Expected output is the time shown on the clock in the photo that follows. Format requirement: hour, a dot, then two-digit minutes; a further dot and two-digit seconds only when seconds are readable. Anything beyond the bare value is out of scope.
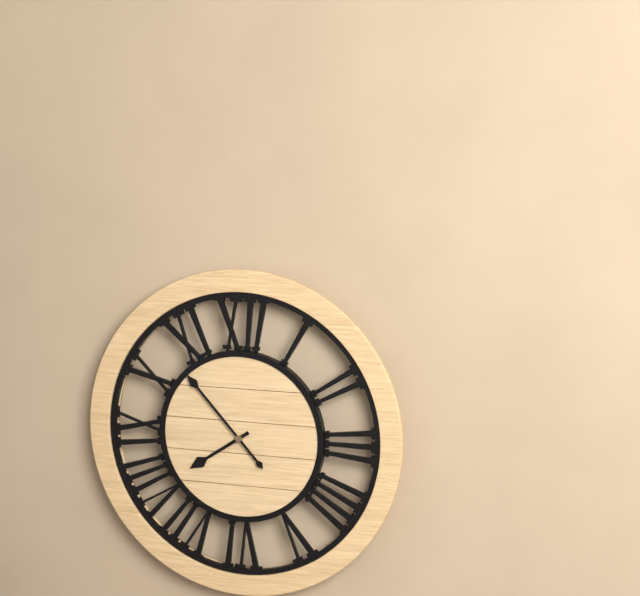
7.53
